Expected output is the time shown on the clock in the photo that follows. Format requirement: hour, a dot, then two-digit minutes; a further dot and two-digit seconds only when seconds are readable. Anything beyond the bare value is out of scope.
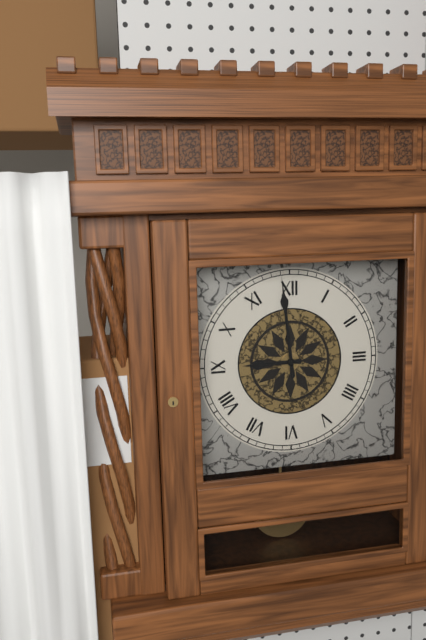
8.59
